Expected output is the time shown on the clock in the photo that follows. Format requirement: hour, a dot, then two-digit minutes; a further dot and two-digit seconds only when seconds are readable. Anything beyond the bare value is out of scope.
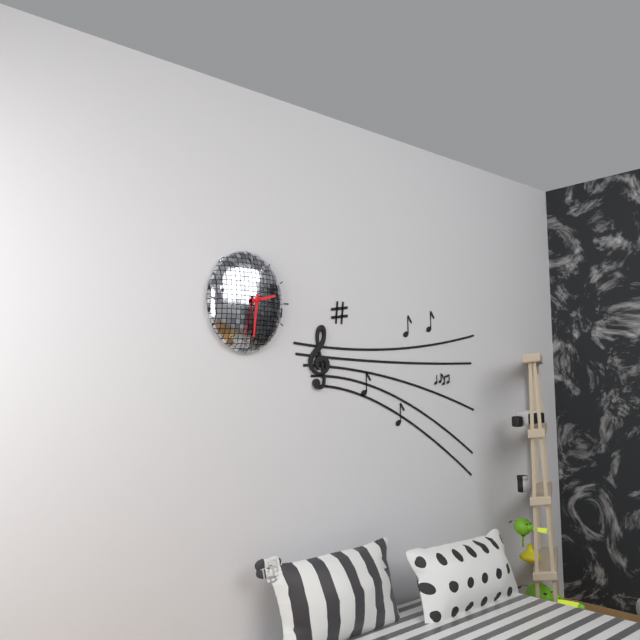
2.31
